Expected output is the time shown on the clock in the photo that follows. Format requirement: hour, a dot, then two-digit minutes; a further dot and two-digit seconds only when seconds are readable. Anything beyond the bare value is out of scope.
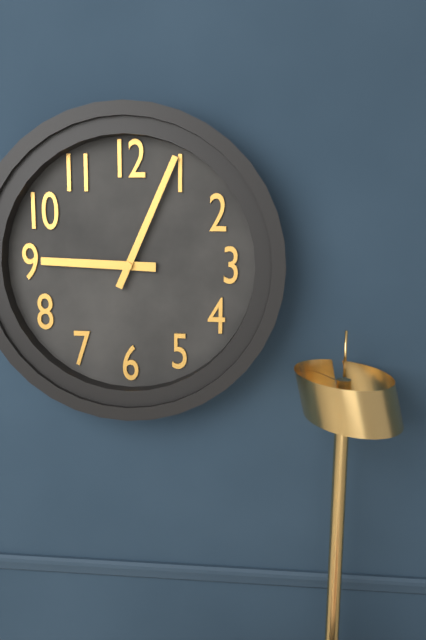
9.04
